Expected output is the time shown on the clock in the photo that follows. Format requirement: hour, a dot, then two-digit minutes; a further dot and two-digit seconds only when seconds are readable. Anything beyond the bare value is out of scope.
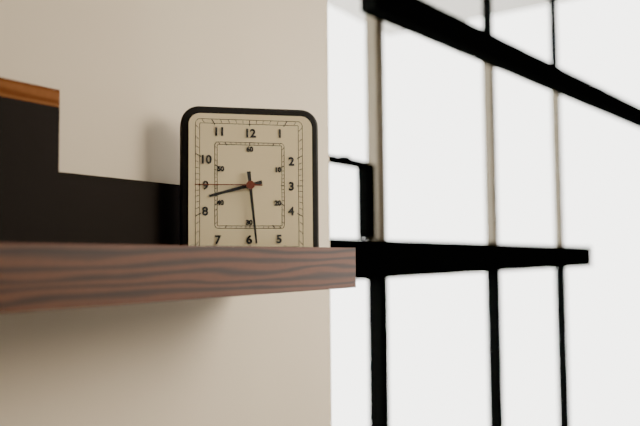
8.29.45
